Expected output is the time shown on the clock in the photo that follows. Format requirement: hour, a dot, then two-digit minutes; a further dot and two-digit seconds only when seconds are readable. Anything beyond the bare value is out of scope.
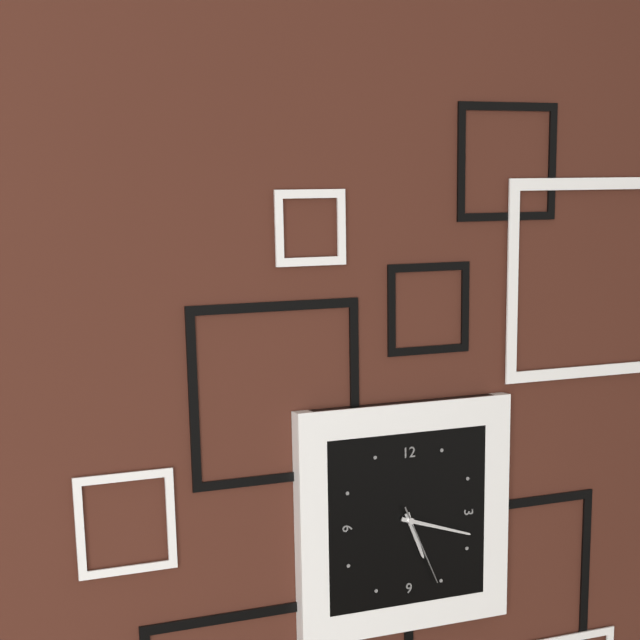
5.18.26
